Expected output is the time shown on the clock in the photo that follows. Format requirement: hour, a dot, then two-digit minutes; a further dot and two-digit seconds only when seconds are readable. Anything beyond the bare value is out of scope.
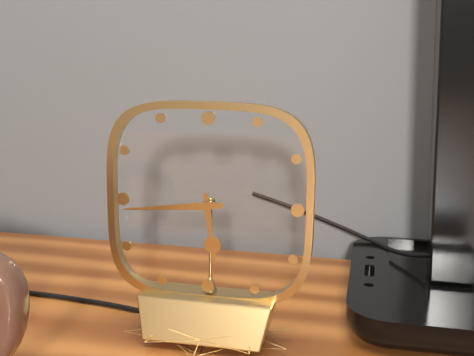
5.44
